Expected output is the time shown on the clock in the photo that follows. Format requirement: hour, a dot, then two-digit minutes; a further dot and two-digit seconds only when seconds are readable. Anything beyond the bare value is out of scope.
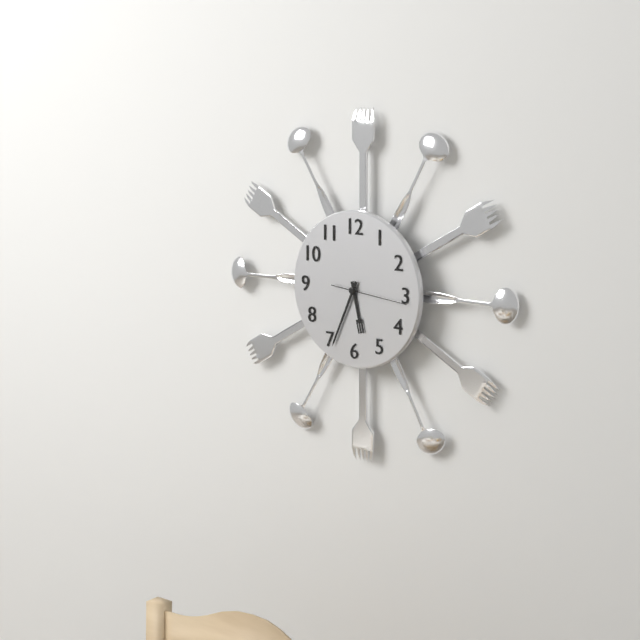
5.34.16
